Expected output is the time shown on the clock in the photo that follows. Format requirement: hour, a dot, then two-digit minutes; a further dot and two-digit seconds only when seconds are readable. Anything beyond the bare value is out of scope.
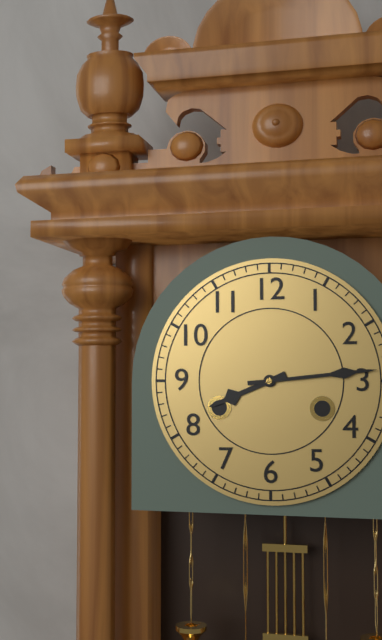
8.14
